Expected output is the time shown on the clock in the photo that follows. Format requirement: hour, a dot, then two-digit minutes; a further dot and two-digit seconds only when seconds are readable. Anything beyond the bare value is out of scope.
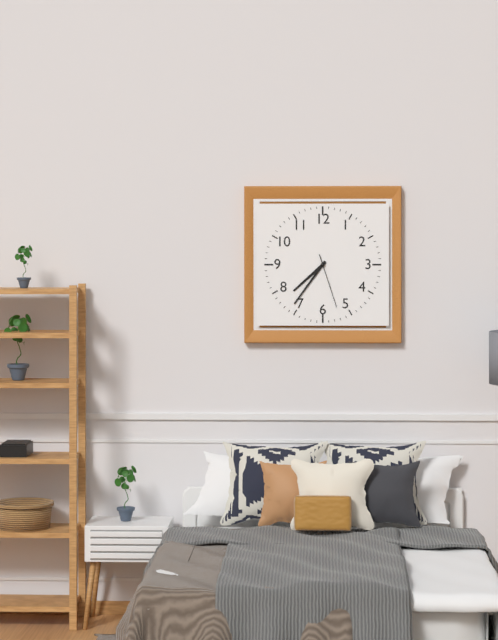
7.36.27
